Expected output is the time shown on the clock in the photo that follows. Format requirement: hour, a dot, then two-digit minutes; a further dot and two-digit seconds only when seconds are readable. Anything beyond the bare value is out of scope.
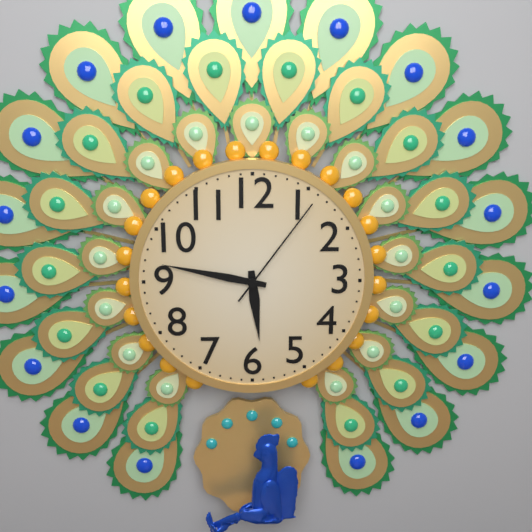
5.47.06
